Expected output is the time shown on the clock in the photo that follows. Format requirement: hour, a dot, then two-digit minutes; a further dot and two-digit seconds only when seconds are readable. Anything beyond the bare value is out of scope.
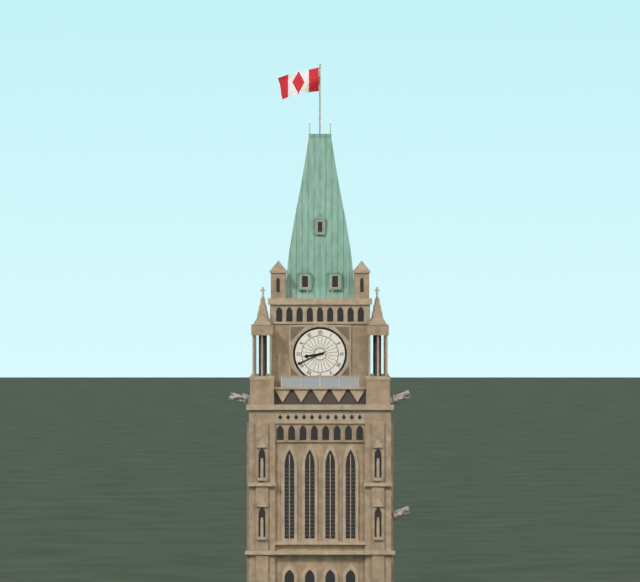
8.41
